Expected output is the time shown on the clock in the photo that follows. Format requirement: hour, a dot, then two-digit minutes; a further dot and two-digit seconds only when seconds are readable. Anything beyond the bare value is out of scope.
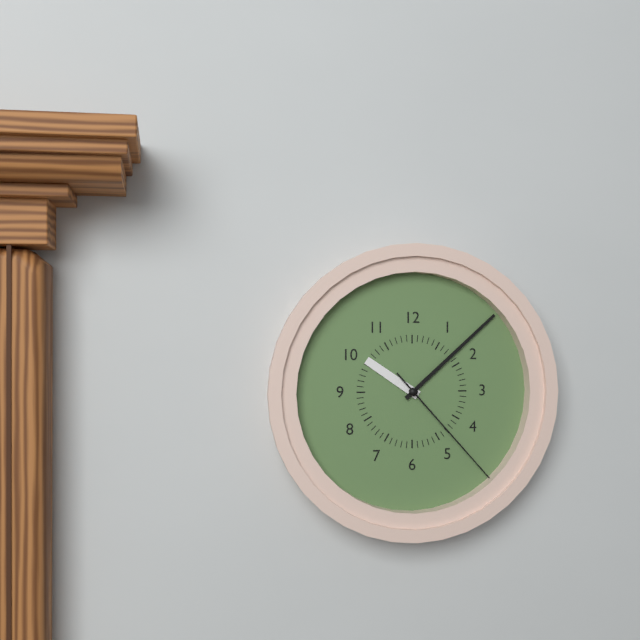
10.08.23
